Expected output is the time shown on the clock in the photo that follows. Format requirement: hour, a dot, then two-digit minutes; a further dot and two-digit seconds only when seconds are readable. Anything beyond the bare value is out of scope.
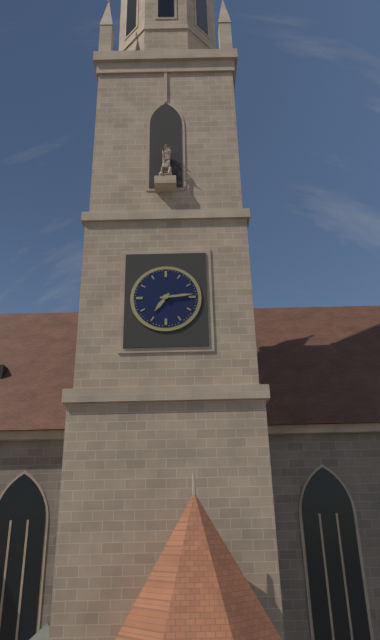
7.14
